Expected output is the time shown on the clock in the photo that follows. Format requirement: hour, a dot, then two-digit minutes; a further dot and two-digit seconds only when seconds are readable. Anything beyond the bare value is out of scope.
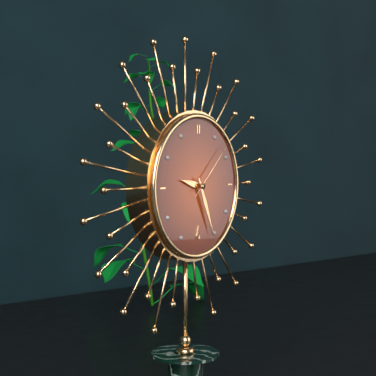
9.26.08
